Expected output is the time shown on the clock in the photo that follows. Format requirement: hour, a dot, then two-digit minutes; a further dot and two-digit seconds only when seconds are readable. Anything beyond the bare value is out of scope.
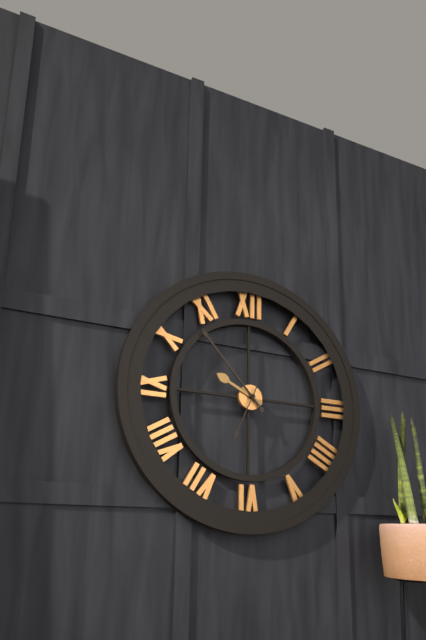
9.53.34
